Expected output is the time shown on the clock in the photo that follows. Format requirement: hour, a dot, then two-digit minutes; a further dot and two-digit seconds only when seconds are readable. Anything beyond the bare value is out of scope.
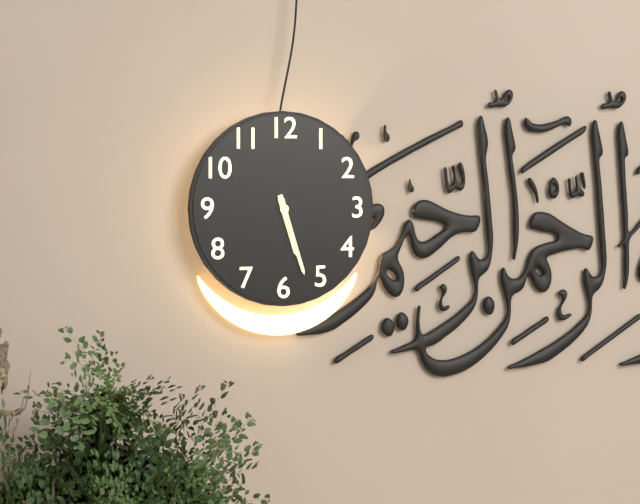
5.27
